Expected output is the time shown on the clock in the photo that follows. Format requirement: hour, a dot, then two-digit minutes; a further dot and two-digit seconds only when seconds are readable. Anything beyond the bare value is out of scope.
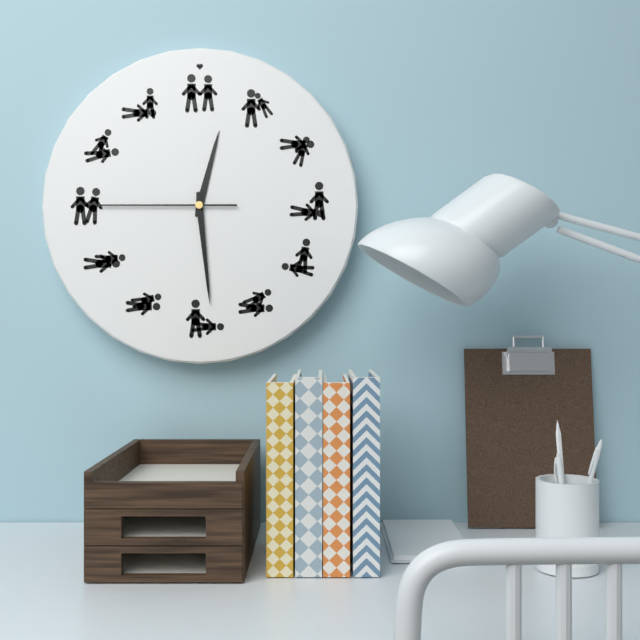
12.29.45
